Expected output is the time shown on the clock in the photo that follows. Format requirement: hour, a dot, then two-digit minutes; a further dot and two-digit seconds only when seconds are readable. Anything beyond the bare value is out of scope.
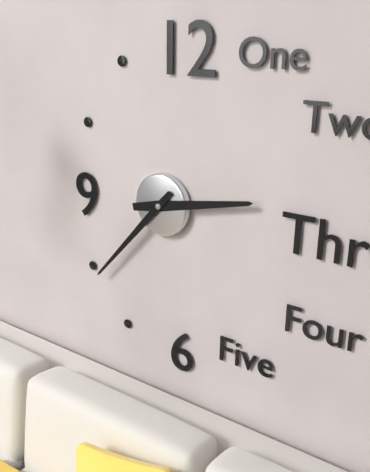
2.37
